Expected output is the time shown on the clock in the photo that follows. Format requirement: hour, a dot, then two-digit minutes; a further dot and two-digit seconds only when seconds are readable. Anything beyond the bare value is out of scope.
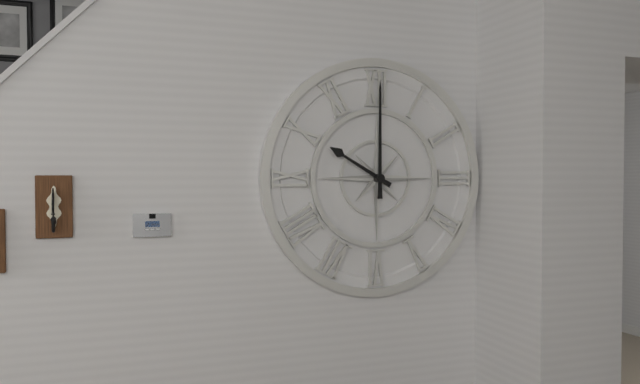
10.00
